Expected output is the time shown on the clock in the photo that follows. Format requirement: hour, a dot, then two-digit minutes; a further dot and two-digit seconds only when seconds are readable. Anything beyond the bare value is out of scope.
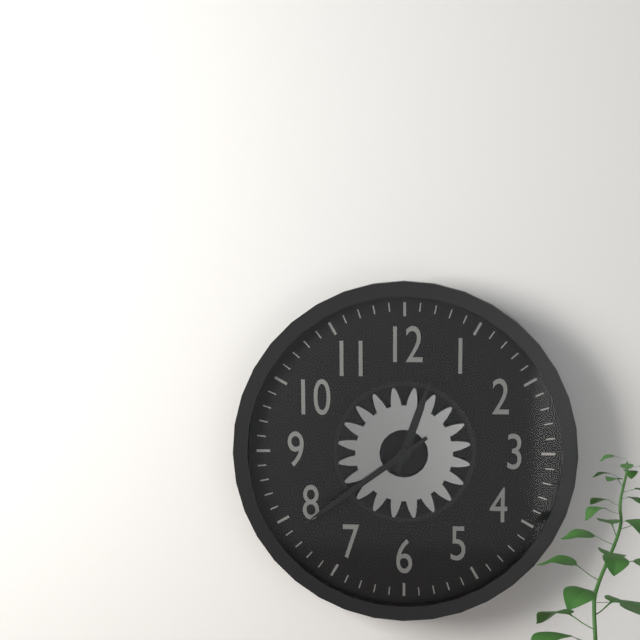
12.39
